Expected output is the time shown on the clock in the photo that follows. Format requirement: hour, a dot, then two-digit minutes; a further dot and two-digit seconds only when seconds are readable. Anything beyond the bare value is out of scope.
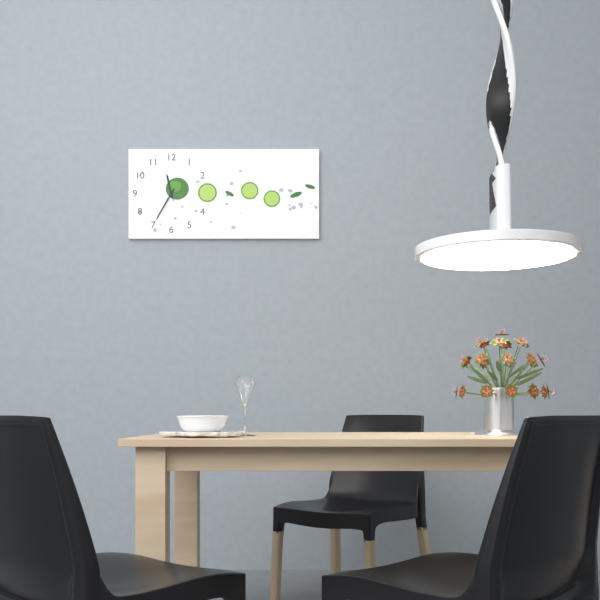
11.35
